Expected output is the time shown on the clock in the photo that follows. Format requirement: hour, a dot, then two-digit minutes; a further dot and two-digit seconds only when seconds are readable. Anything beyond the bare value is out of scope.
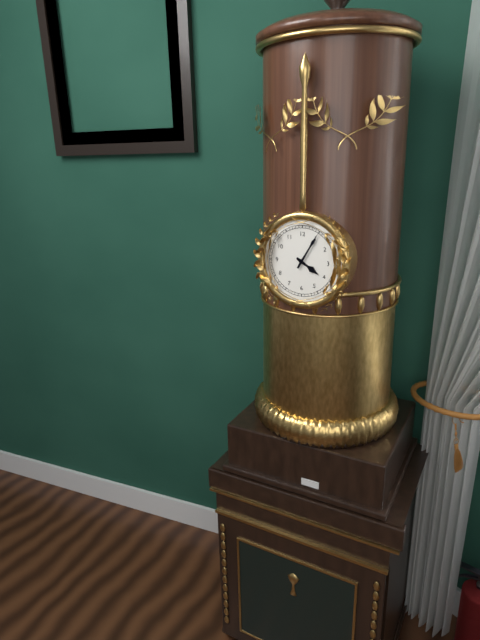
4.05
